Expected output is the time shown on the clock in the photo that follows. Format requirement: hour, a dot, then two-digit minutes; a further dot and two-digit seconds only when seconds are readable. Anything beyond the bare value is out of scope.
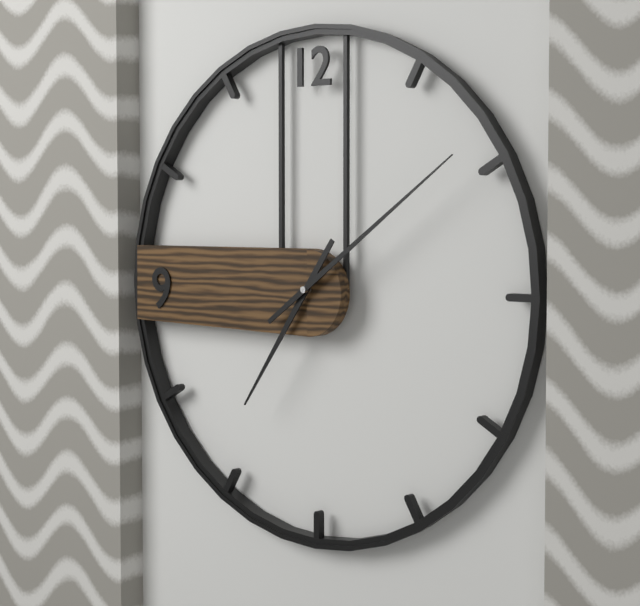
7.09
